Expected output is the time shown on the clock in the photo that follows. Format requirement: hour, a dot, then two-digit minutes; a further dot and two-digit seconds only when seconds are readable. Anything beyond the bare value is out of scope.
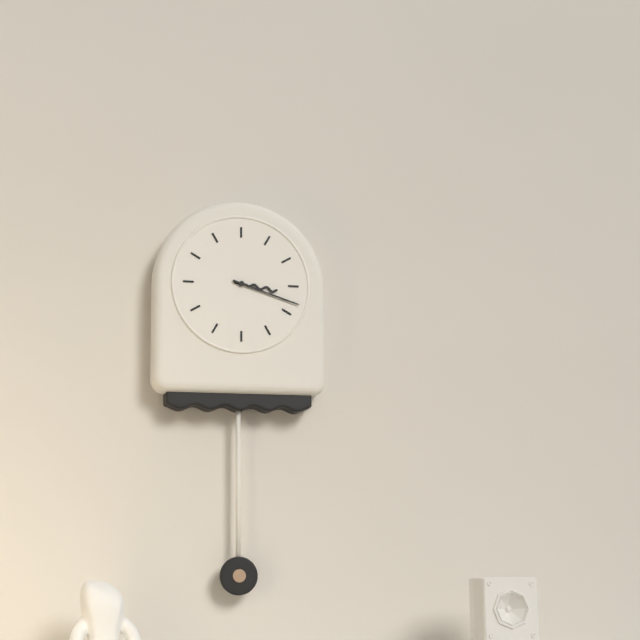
3.18
